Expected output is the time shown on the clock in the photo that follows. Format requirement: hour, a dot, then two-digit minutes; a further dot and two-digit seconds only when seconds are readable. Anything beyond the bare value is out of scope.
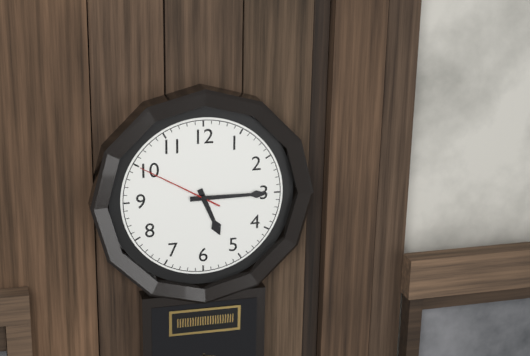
5.15.50
